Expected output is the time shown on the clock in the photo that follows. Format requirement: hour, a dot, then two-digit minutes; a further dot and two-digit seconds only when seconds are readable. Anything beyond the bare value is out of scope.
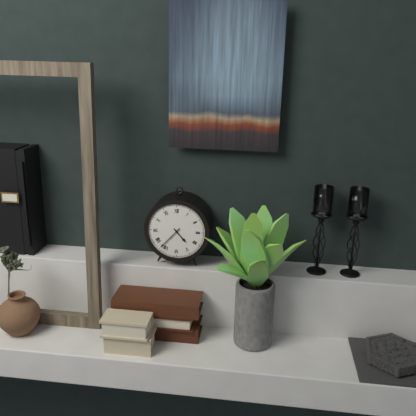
4.37
